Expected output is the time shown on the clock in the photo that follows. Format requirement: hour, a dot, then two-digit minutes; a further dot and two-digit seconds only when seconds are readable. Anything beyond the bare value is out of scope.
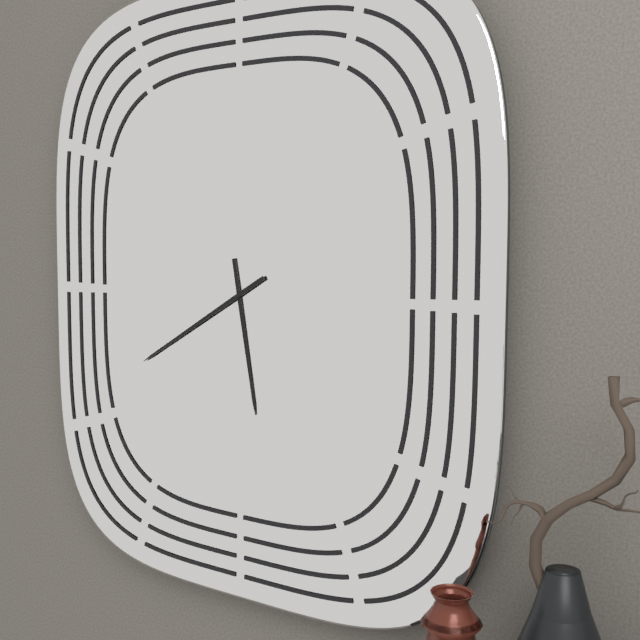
5.40
